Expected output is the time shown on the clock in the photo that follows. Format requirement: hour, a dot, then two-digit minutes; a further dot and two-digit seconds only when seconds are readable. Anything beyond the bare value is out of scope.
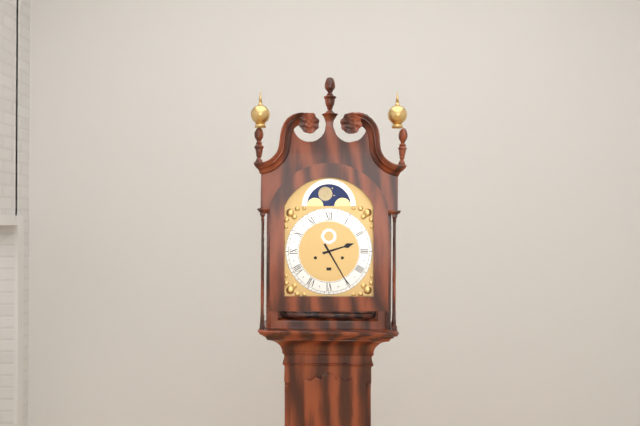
2.25
